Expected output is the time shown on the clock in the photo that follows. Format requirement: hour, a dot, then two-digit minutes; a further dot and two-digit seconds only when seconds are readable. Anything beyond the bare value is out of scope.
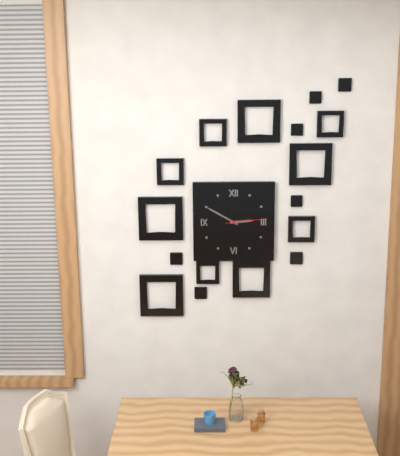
2.50
